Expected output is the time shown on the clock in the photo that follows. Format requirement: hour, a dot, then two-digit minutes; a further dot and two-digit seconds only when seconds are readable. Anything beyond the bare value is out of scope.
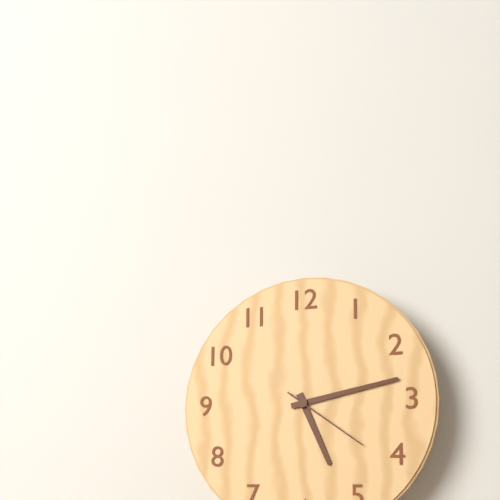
5.13.21
